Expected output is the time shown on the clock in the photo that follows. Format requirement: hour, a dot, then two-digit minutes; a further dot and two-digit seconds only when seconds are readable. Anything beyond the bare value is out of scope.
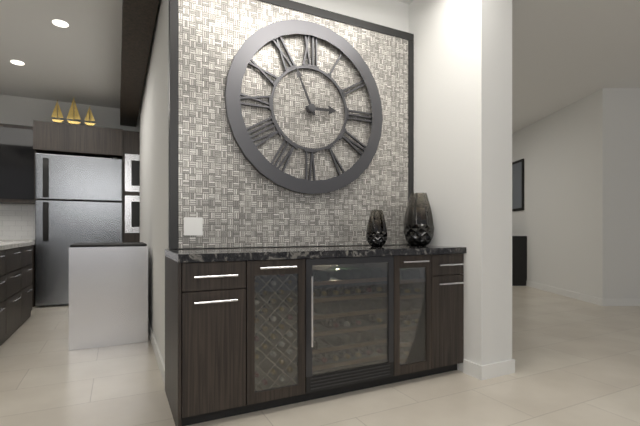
2.56
